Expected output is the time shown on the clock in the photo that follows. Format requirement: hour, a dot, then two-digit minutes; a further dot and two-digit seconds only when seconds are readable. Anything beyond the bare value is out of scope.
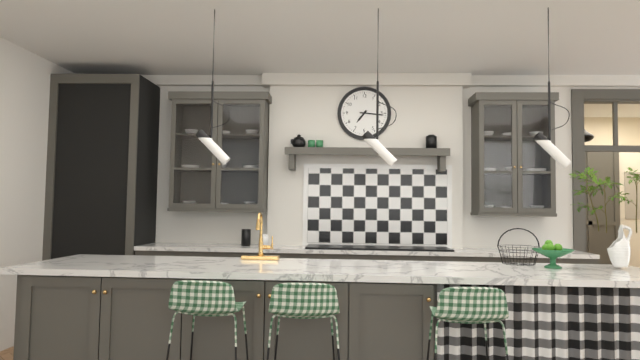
7.16
